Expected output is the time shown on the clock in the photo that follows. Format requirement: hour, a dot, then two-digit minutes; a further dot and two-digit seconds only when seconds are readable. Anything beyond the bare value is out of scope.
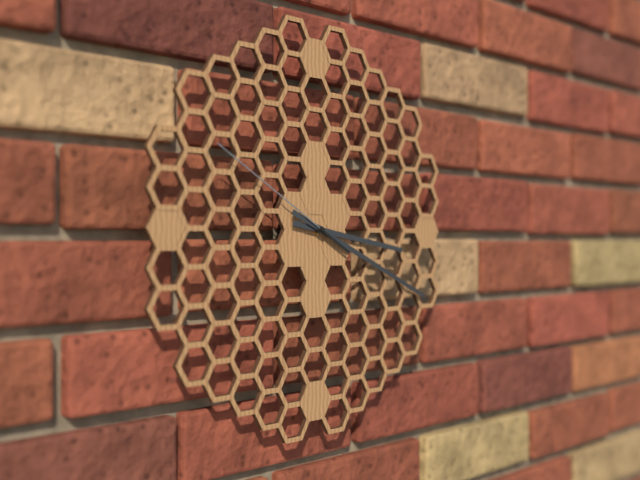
3.19.50
